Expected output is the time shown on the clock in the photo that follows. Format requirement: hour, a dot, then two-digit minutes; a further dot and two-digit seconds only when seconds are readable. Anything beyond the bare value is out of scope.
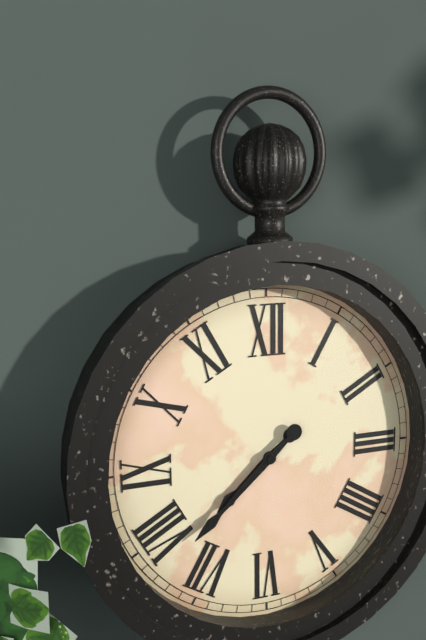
7.38
